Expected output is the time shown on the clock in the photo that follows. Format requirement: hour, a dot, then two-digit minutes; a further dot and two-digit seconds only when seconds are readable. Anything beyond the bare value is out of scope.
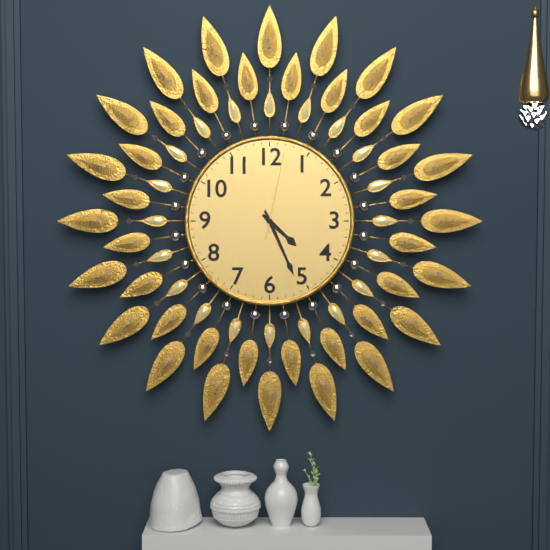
4.26.02
